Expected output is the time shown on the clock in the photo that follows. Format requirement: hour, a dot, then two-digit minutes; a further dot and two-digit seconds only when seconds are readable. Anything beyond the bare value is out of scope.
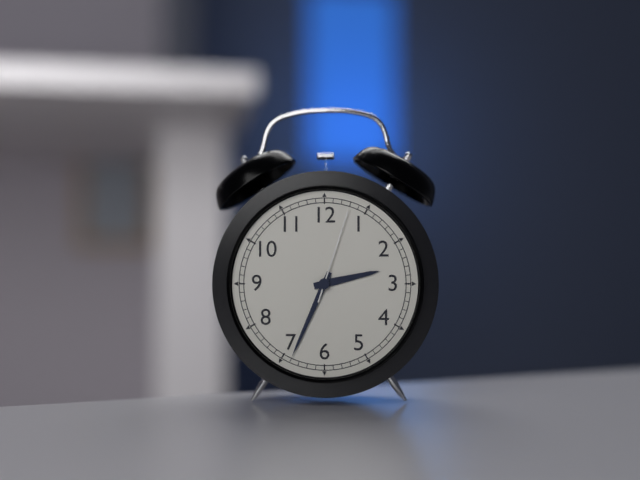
2.34.03
